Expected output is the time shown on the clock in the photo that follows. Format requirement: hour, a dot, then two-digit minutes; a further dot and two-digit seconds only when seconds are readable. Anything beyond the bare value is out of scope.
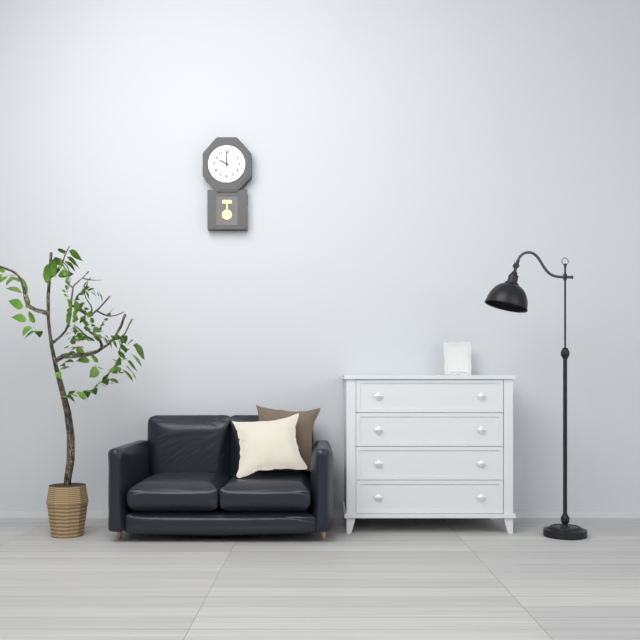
10.00
